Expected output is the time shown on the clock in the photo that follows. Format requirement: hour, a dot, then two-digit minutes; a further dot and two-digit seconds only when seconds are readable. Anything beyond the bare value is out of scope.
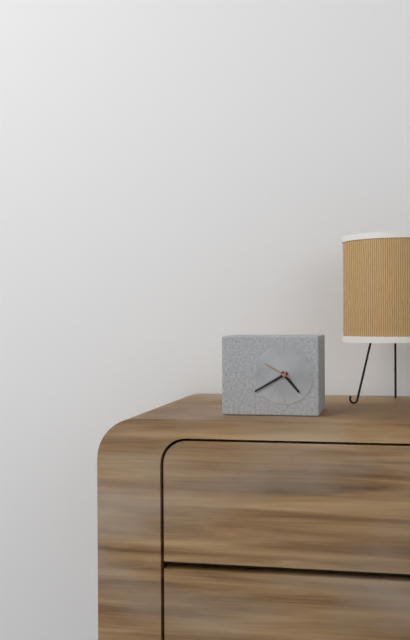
4.40
